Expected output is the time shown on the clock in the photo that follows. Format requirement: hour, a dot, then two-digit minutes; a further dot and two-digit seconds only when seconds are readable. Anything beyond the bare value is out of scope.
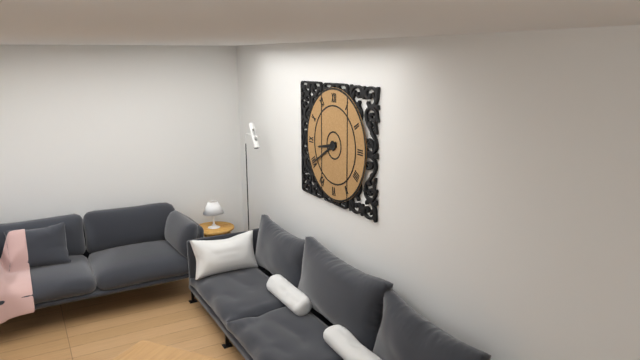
8.40
